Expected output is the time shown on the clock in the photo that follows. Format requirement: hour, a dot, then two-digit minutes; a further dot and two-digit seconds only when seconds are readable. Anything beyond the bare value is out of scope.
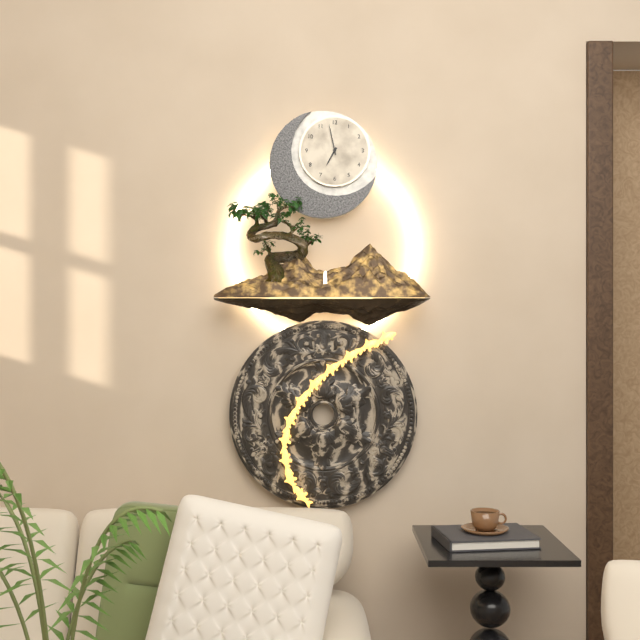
6.58
